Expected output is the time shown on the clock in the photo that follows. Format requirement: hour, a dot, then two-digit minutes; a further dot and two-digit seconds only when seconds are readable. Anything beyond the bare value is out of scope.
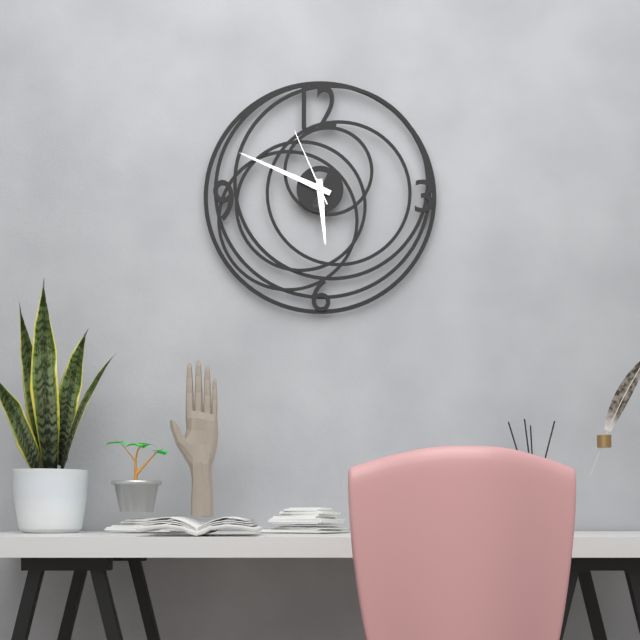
5.49.56
